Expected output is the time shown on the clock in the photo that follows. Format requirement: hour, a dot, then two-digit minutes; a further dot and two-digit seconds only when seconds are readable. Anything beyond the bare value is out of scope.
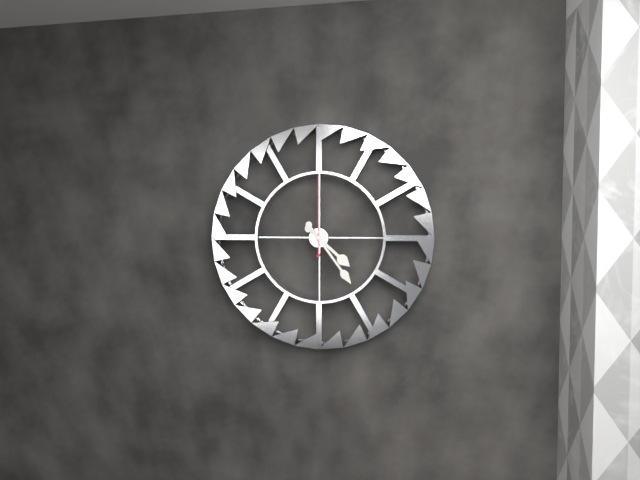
4.24.00
